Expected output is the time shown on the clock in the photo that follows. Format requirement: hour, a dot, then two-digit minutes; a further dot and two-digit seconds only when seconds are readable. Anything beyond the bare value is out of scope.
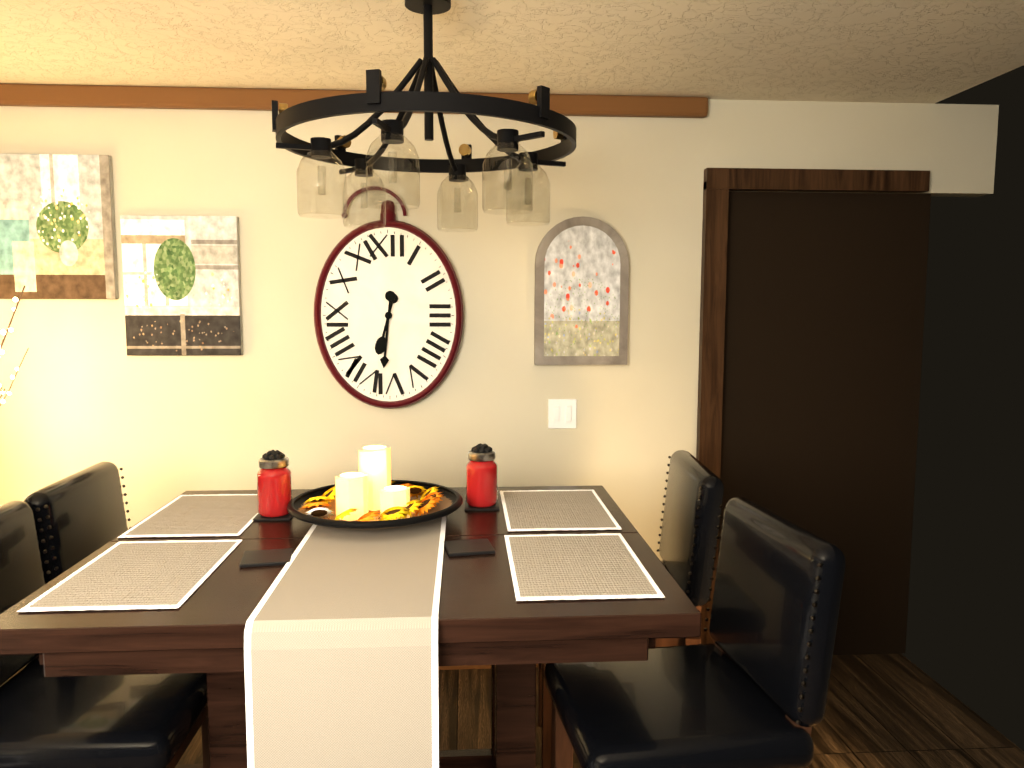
6.31
